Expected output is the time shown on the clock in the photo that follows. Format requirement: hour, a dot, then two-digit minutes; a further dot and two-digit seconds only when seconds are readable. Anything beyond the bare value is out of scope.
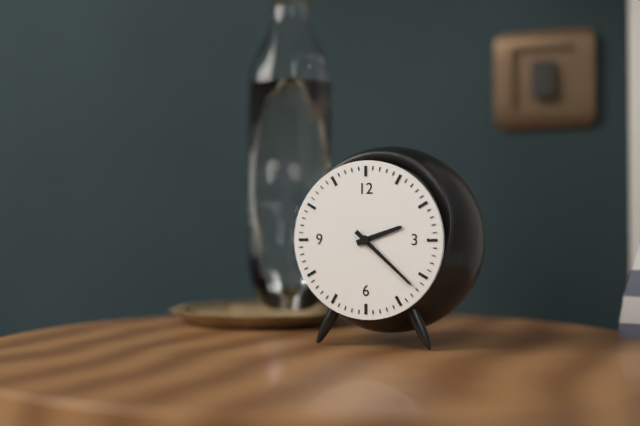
2.22
